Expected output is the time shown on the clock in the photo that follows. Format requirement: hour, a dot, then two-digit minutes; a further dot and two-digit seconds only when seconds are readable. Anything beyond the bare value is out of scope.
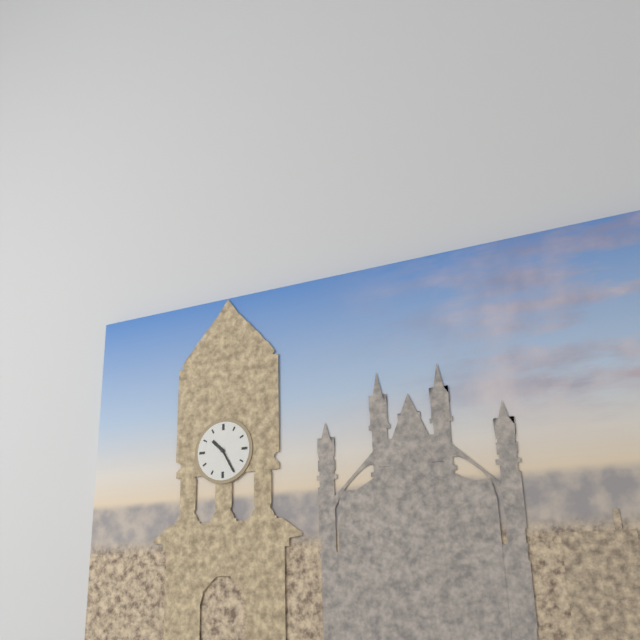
10.25
